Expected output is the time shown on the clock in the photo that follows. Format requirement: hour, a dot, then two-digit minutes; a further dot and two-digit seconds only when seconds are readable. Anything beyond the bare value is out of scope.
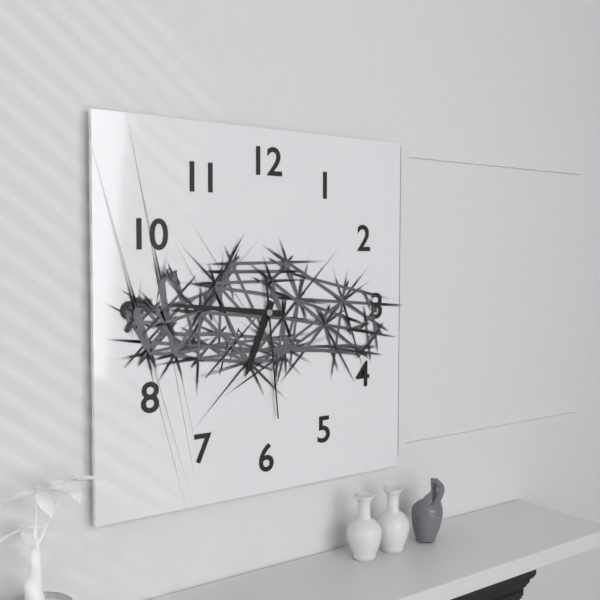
6.46.29
